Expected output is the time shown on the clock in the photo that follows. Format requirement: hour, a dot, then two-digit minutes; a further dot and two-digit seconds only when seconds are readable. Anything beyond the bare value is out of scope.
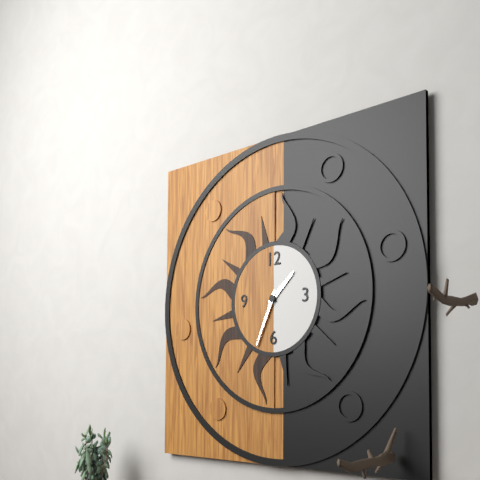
1.34
